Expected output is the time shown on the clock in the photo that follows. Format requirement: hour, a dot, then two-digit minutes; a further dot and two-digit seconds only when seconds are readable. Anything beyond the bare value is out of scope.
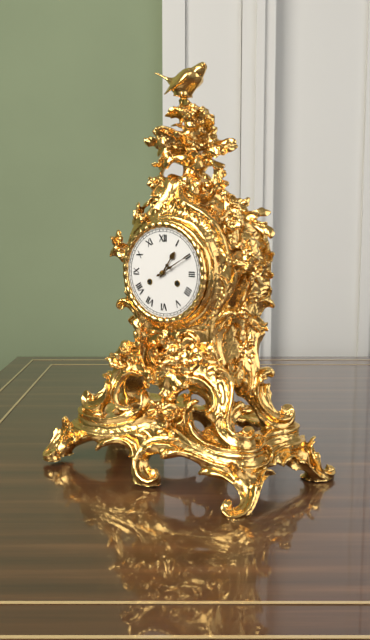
1.10
